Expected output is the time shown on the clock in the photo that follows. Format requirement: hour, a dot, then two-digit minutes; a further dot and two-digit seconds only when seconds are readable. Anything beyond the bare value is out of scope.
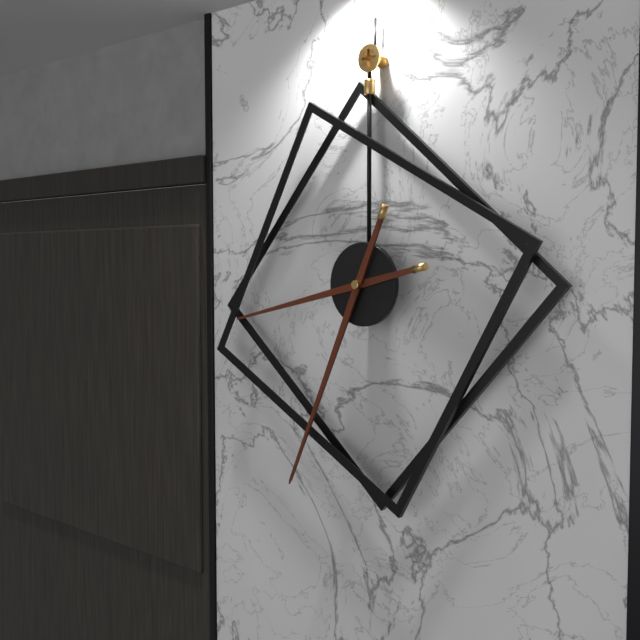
8.34
